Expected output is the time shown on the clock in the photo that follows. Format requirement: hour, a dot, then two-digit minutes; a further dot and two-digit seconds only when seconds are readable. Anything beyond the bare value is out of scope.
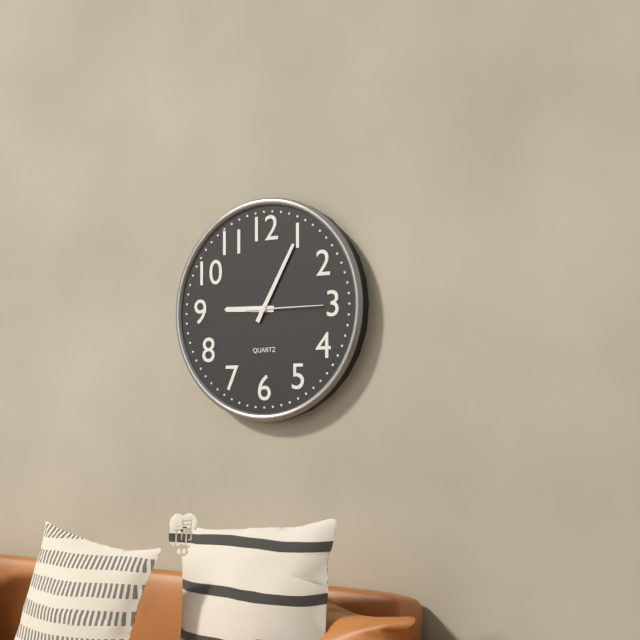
9.05.15
